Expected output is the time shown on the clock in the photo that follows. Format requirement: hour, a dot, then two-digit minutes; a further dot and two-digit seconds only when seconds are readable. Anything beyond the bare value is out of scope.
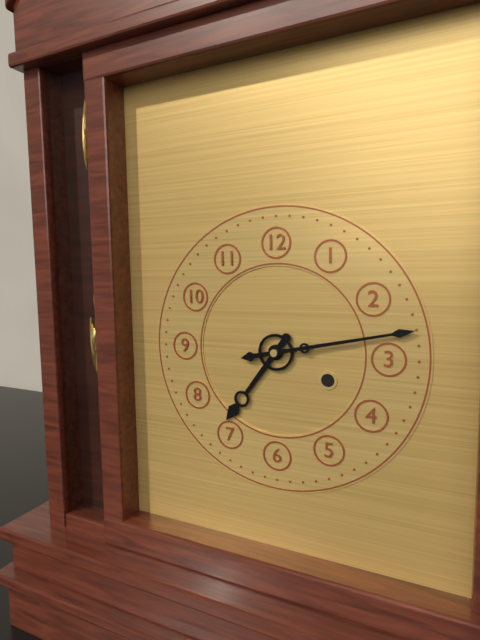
7.13
